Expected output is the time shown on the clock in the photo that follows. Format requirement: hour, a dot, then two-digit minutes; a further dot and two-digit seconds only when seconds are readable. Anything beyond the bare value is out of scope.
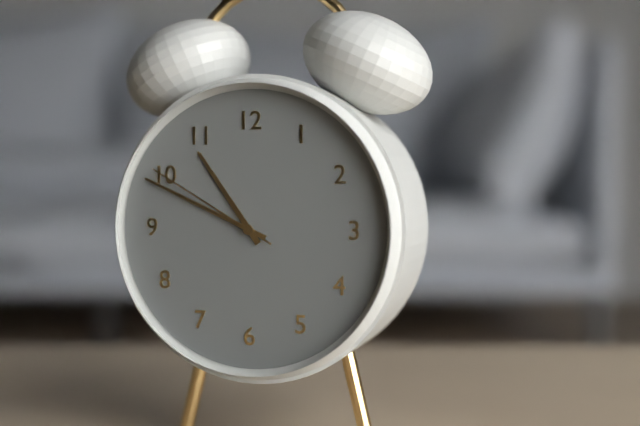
10.49.50
